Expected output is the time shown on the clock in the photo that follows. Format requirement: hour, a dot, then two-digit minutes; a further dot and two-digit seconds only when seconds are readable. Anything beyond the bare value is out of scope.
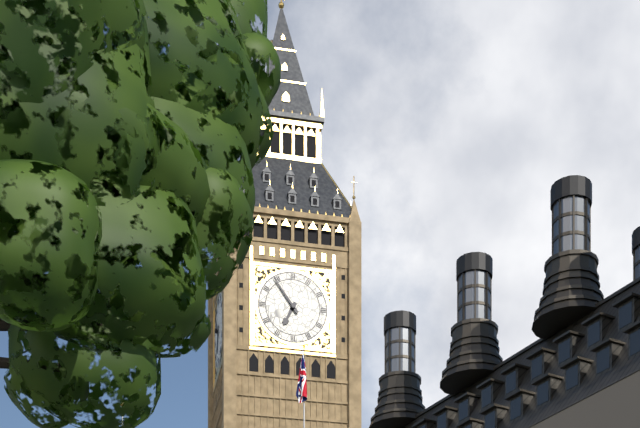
6.54
